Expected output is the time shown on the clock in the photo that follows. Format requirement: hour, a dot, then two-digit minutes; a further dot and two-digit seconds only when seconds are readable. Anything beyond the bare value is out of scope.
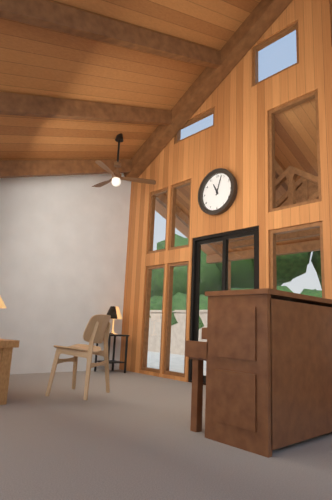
11.03
